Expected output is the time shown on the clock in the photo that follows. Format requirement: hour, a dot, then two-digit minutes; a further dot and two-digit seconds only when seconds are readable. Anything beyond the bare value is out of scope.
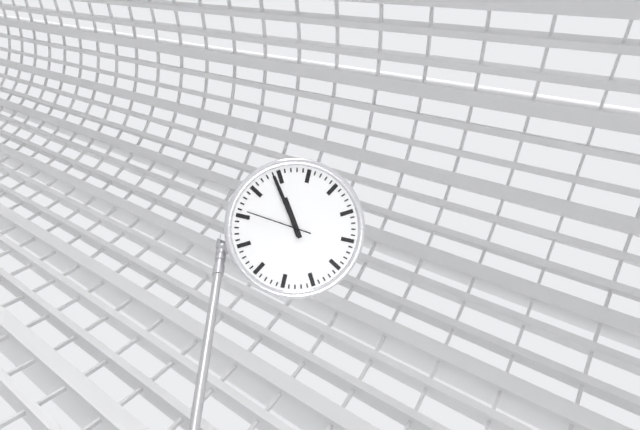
10.54.46
